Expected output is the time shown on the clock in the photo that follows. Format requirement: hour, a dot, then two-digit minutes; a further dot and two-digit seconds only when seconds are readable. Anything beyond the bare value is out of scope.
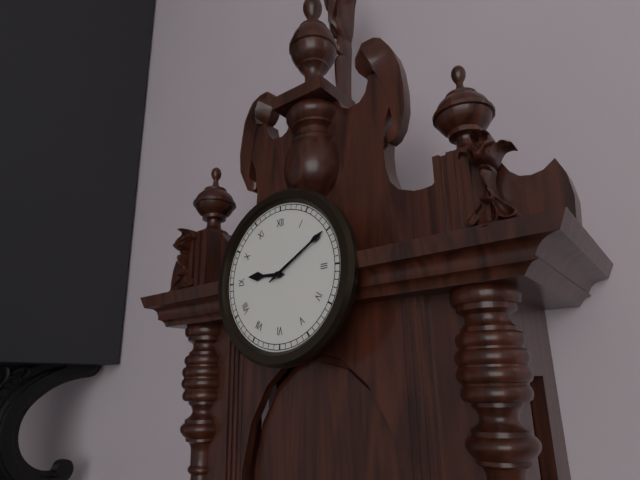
9.10
